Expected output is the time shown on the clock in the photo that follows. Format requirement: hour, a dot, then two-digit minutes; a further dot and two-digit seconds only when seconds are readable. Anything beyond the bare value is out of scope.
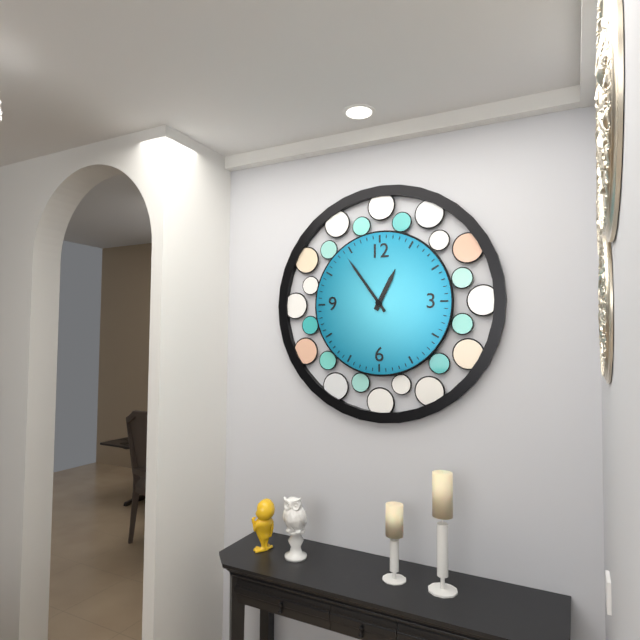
12.54
